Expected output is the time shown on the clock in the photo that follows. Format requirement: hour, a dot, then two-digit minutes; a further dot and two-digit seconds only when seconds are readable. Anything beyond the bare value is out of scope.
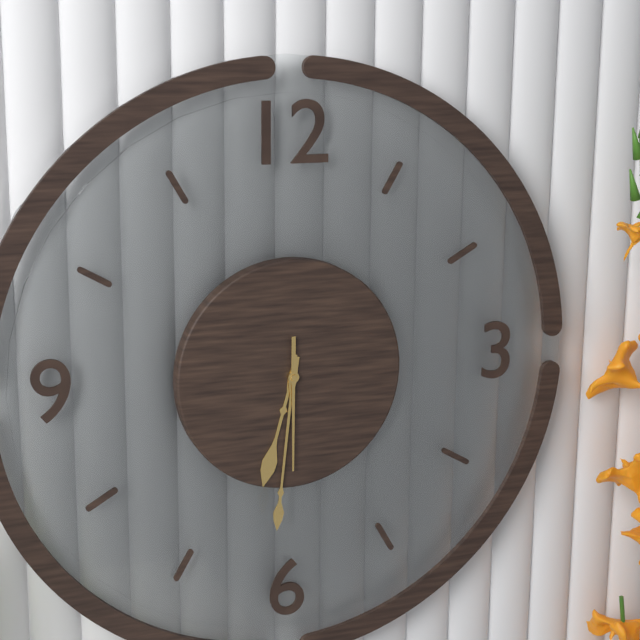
6.31.30
